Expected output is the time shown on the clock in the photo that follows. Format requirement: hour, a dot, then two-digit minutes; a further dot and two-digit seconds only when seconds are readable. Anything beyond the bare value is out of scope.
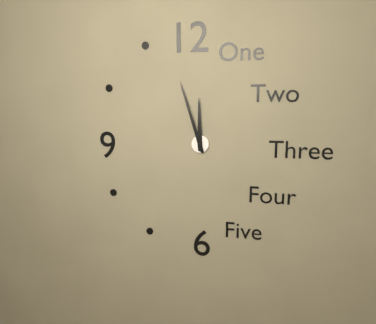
11.57
